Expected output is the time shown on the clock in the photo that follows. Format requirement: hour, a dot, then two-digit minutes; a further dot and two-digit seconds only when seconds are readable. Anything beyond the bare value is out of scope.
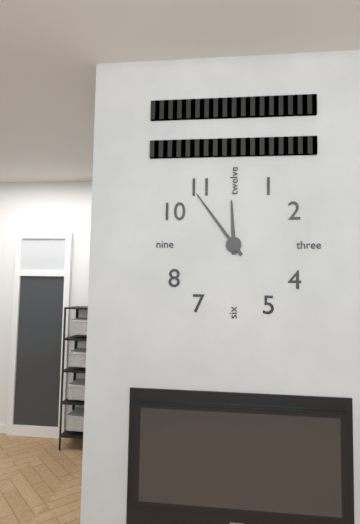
11.54
